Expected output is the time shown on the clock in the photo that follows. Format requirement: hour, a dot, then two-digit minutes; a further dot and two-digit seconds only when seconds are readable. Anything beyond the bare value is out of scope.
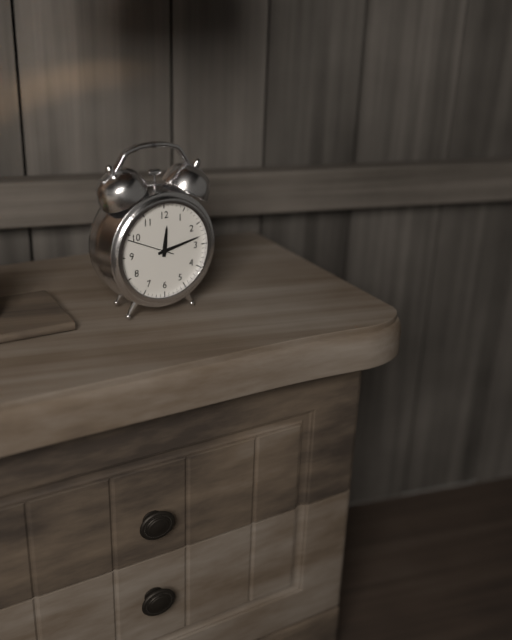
12.13
